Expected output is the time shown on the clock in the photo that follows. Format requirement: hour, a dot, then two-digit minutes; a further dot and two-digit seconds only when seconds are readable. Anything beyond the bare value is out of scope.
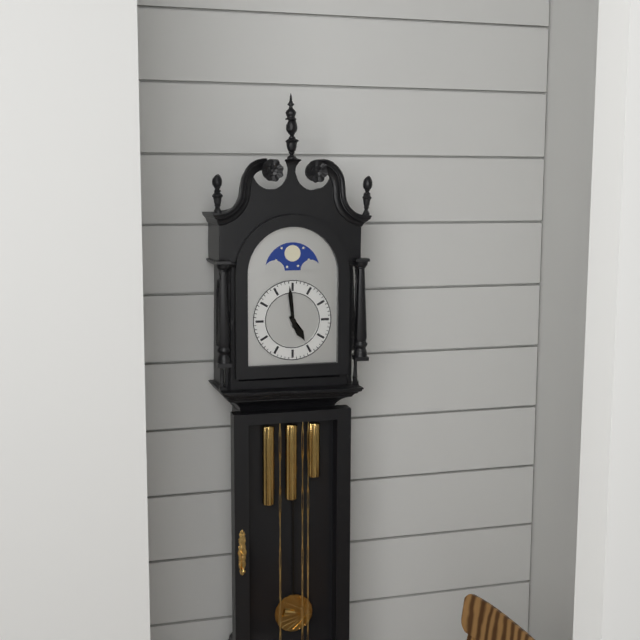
4.59
